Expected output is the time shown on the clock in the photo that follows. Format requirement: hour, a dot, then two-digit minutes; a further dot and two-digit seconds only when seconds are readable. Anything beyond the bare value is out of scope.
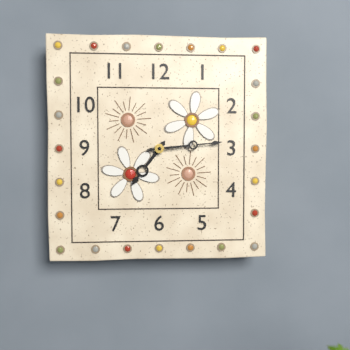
7.14
